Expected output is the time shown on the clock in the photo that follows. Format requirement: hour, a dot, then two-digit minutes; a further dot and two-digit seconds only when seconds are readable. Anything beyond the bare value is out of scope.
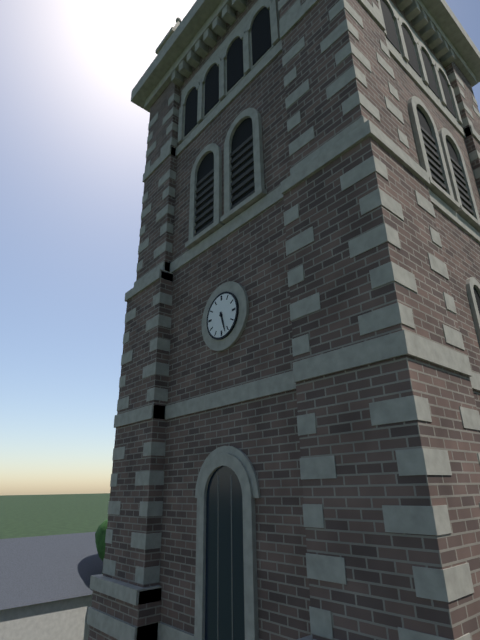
5.27
